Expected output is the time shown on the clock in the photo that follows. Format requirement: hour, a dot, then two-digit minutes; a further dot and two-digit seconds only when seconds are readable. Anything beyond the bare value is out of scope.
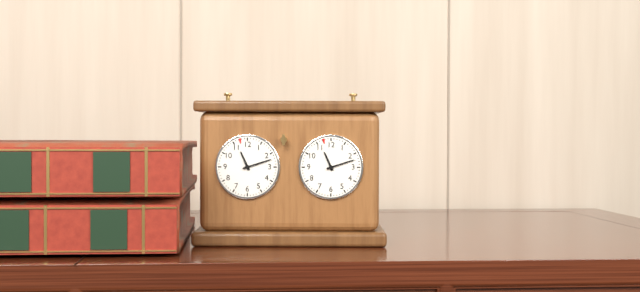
11.12
